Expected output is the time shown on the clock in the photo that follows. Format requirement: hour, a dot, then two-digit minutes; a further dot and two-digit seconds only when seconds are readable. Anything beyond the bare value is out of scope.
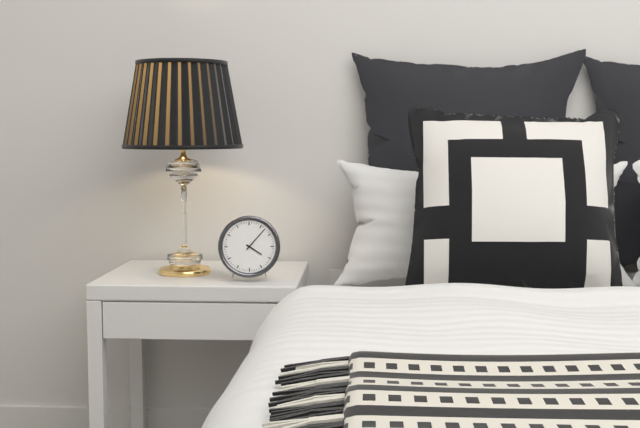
4.07
